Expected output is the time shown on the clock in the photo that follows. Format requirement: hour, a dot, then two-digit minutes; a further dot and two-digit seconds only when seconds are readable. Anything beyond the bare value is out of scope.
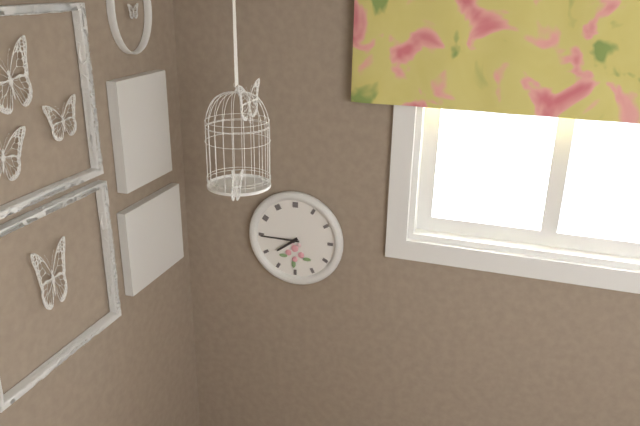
7.45
